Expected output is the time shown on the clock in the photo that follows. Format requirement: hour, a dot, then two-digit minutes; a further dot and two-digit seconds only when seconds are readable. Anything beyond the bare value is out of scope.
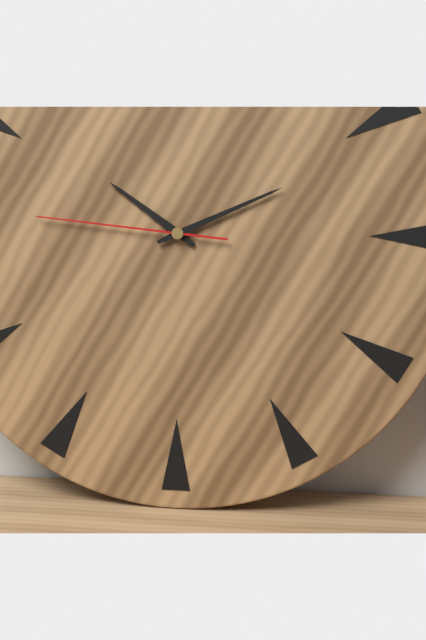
10.11.46
